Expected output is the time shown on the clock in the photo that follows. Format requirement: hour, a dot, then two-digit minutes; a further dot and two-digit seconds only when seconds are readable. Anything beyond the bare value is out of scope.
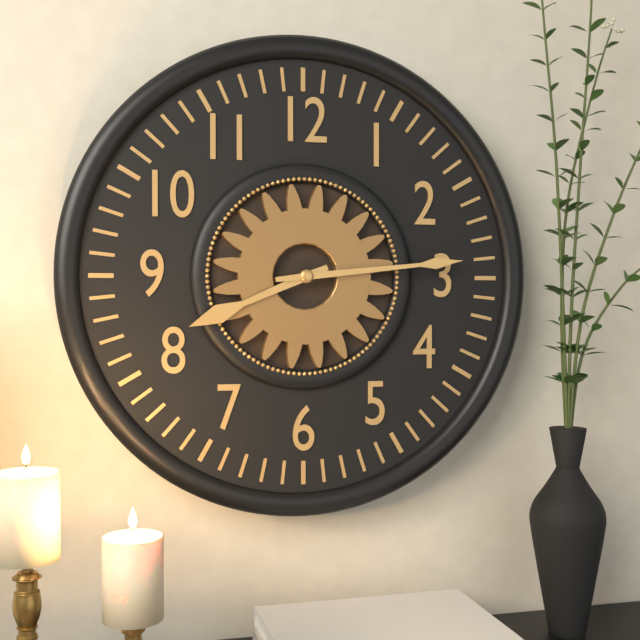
8.14
